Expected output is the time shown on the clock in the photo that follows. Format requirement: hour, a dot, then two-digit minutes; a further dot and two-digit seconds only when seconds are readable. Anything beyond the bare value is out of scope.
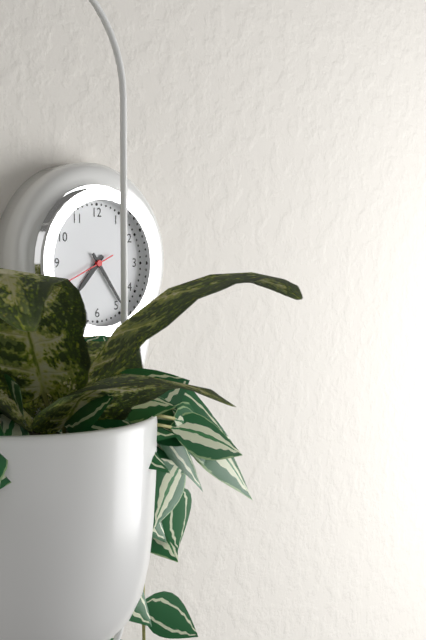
7.24.41
